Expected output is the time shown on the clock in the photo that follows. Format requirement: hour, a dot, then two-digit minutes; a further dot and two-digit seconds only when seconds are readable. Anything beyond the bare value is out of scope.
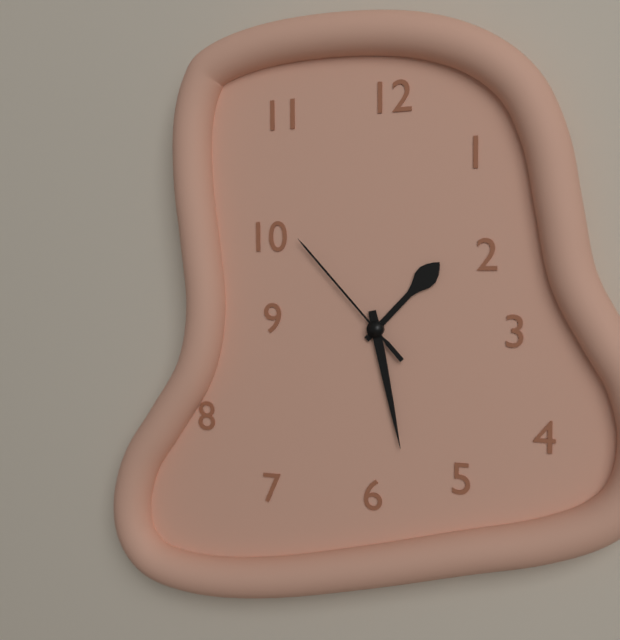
1.28.53
